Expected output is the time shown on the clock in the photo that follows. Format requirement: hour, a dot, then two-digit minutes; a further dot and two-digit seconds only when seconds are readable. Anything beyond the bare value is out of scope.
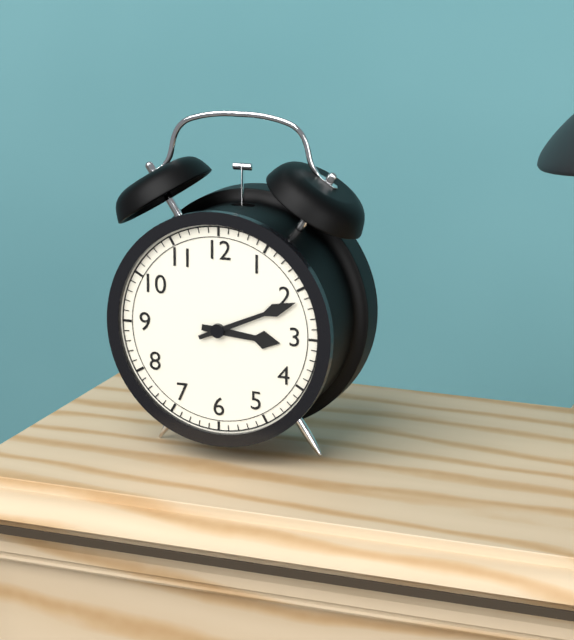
3.11
